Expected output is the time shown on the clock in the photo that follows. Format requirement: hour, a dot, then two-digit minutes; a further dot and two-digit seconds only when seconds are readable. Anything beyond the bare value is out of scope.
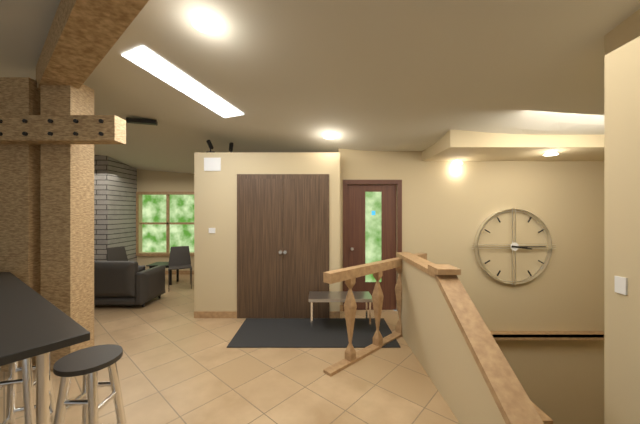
3.15
